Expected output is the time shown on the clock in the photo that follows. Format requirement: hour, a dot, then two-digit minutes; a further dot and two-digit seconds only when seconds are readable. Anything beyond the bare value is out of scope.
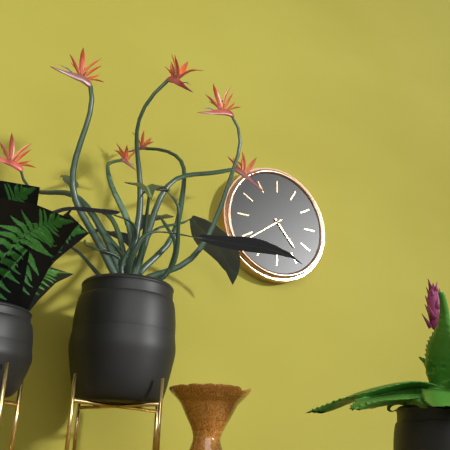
4.39
